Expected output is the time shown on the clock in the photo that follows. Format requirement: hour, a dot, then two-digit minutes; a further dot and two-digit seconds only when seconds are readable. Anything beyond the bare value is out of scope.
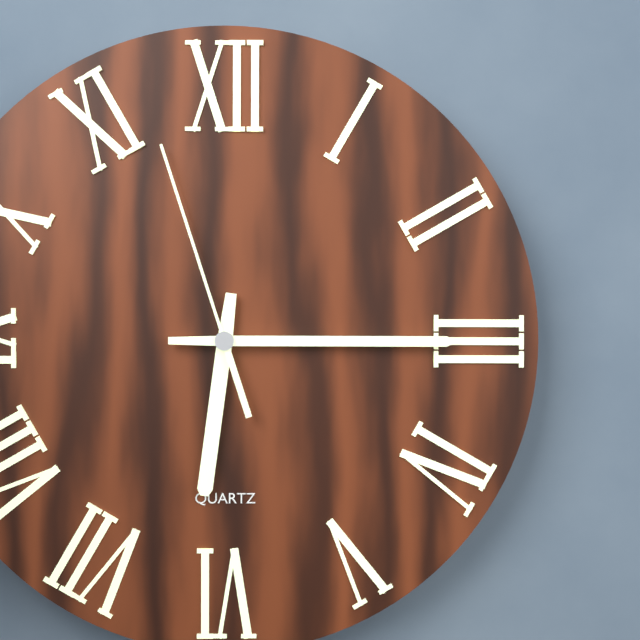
6.15.57
